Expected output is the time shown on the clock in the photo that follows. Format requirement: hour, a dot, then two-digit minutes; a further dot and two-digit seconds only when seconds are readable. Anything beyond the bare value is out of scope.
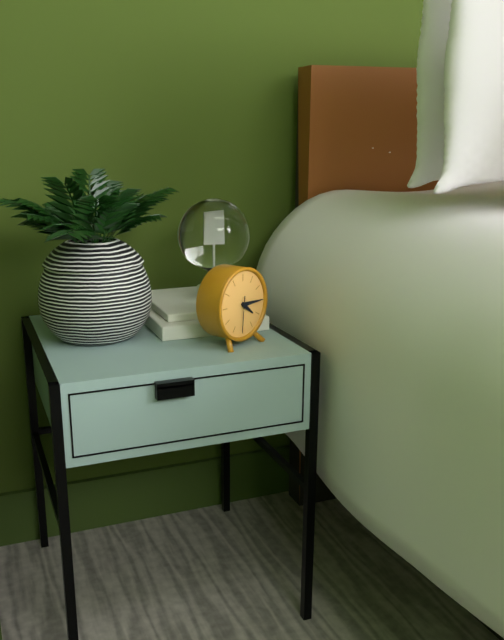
4.15
